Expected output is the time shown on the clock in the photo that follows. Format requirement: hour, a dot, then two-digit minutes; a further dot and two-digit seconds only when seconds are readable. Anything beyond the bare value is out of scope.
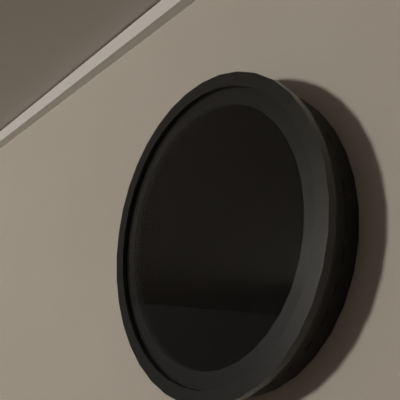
4.33
